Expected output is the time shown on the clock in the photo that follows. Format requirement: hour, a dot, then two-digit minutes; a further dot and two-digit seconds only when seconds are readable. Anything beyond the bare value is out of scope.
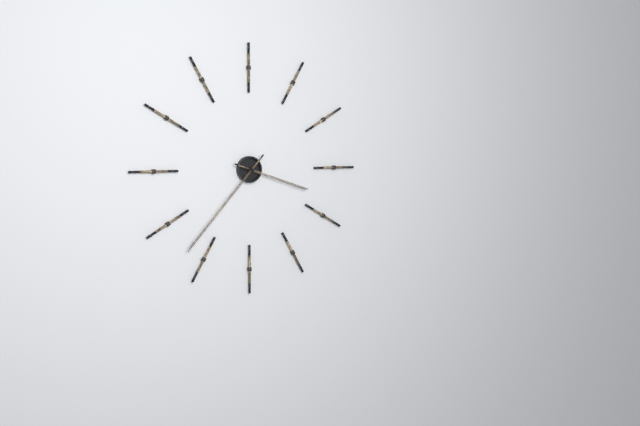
3.37
